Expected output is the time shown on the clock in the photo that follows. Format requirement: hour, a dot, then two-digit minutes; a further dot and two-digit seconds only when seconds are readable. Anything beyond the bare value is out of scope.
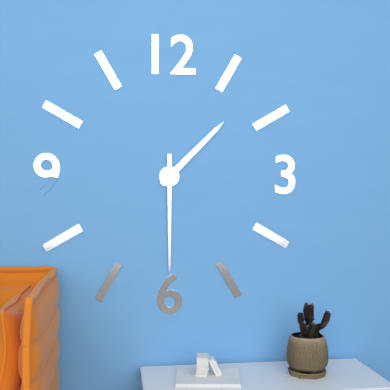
1.30
